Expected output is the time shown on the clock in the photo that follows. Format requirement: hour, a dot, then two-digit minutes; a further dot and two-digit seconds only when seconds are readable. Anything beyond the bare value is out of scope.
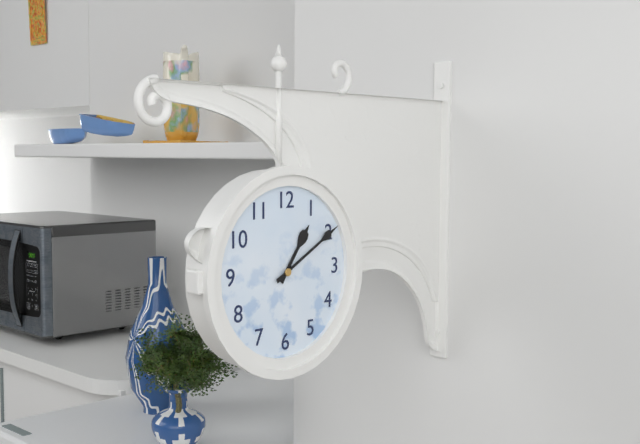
1.10
